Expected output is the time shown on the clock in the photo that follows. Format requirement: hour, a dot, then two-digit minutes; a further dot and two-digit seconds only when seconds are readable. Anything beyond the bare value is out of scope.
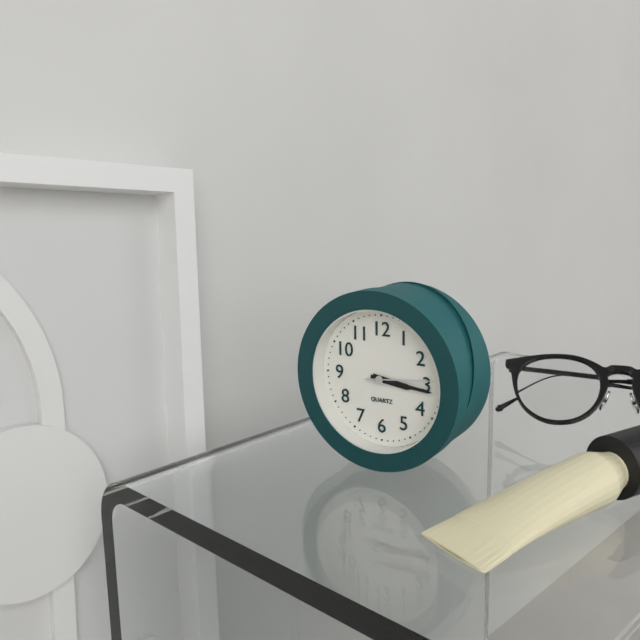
3.16.14
